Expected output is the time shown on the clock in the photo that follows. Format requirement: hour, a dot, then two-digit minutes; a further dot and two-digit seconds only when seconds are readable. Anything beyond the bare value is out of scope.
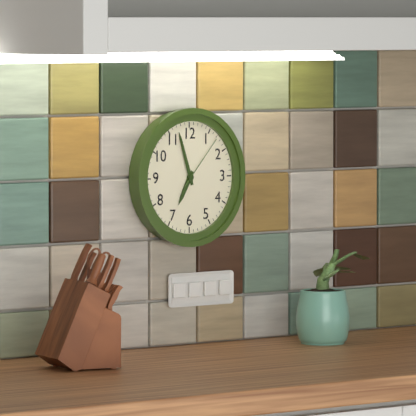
6.57.07
